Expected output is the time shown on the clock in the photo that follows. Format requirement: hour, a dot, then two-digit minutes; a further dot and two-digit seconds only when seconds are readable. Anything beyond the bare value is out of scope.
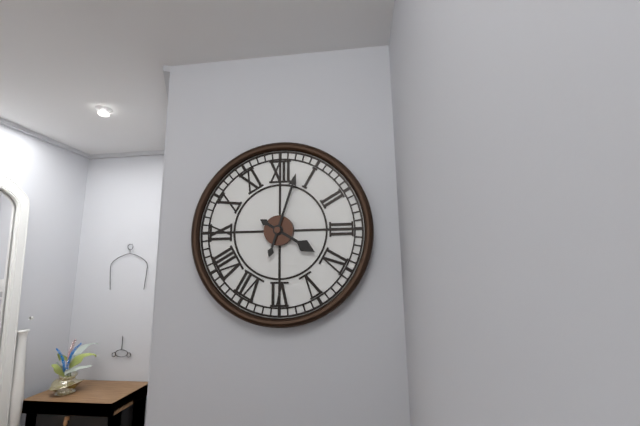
4.03
